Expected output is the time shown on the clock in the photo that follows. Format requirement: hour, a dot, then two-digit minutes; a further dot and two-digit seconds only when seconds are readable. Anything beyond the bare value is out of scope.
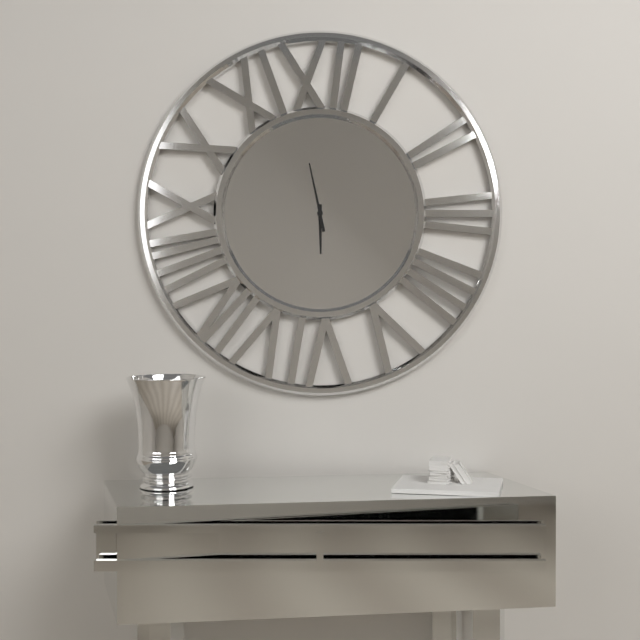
5.58
